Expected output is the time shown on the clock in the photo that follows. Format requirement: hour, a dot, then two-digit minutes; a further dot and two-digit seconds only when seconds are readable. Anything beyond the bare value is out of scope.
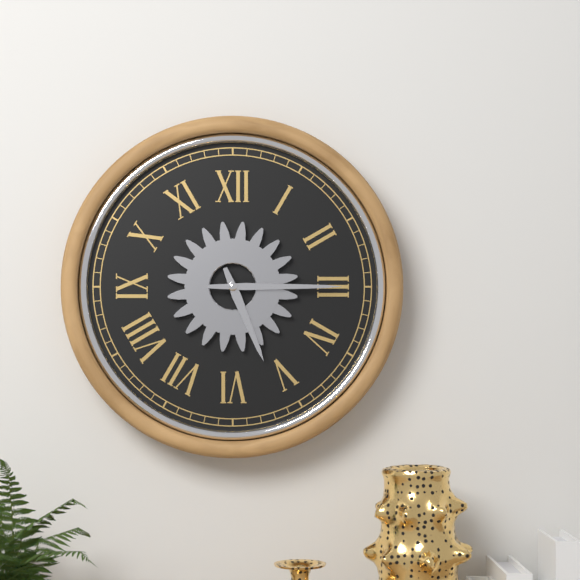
5.15
